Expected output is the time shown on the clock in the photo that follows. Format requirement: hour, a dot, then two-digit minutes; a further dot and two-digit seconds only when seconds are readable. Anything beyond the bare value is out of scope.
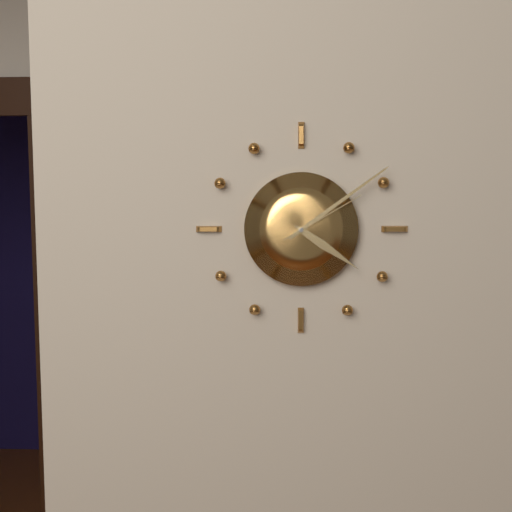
4.09.10
